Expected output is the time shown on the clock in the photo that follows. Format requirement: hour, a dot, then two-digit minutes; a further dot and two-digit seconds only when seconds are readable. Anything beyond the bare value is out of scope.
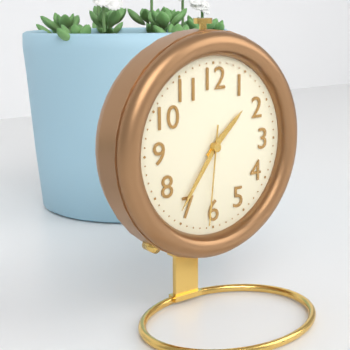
1.36.31
